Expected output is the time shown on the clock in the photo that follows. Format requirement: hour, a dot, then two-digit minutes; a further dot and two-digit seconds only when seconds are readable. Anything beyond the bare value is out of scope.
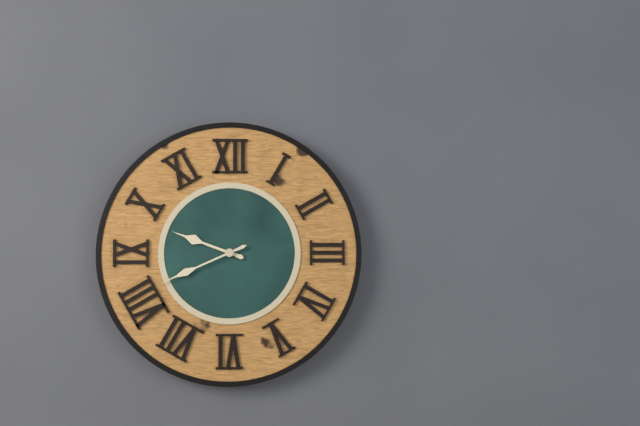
9.41
